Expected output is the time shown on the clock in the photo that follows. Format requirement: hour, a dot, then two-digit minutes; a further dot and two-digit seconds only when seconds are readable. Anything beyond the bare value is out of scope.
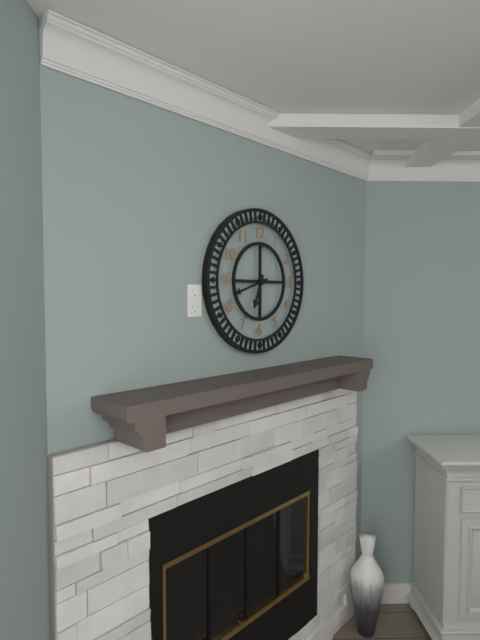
6.42
